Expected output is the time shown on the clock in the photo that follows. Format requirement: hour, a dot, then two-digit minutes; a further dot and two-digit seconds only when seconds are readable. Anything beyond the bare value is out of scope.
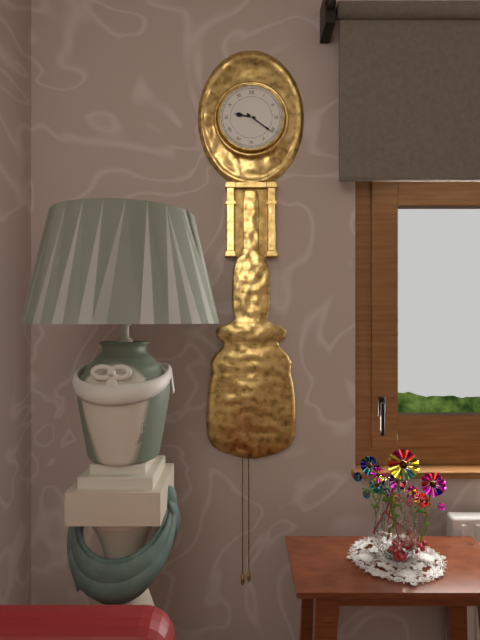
9.21
